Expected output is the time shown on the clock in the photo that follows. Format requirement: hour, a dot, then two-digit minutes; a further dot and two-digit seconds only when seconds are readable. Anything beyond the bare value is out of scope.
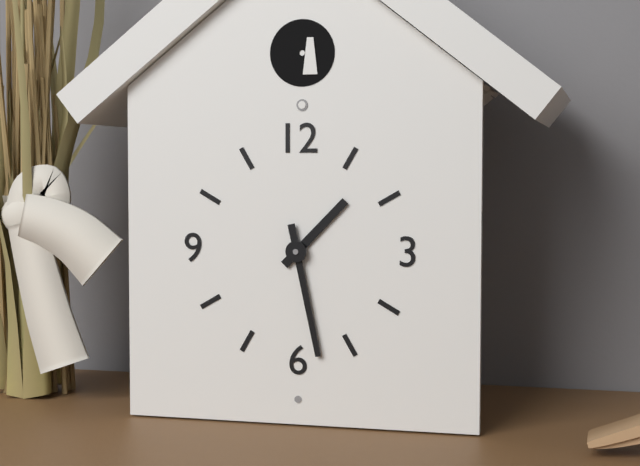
1.28
